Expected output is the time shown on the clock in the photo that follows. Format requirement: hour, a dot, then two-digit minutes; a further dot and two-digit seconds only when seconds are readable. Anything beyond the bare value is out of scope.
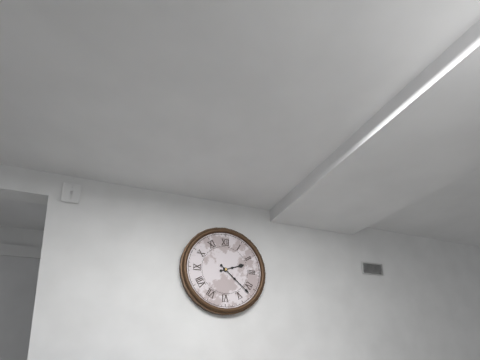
2.22
